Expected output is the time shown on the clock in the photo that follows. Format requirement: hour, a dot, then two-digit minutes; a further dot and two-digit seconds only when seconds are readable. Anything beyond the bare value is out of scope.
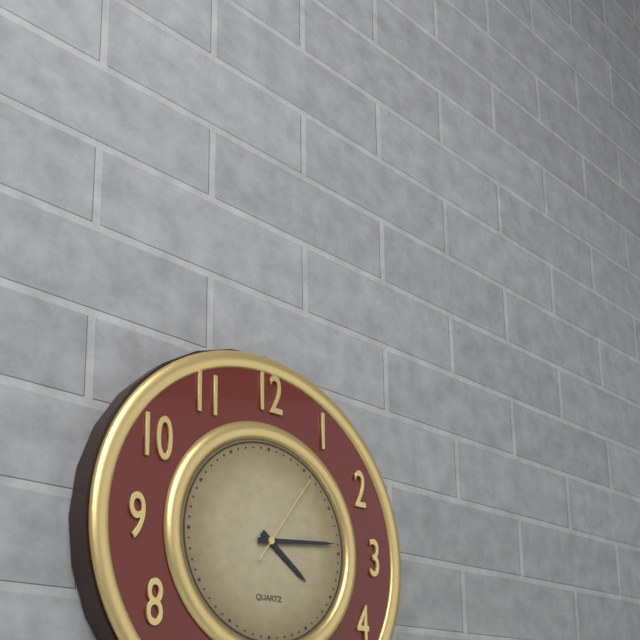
4.14.06
